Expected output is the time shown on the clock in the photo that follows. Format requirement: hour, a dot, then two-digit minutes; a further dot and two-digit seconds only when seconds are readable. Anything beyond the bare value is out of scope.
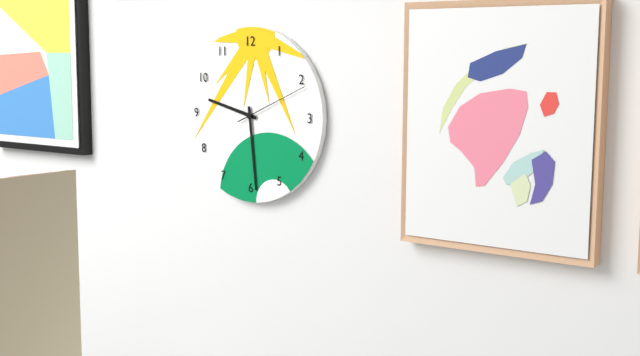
9.29.11
